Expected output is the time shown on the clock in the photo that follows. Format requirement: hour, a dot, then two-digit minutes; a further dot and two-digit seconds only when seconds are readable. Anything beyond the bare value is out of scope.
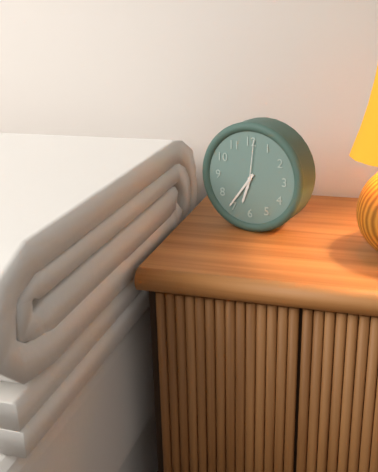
6.36
